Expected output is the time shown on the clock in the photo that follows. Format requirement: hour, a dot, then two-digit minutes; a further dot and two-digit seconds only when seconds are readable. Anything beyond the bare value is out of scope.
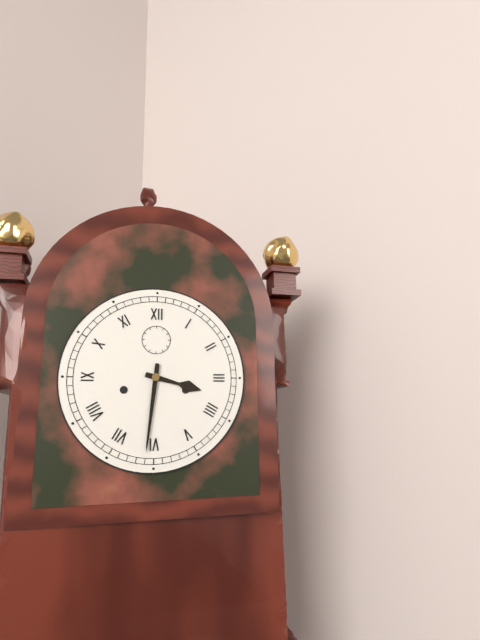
3.31
